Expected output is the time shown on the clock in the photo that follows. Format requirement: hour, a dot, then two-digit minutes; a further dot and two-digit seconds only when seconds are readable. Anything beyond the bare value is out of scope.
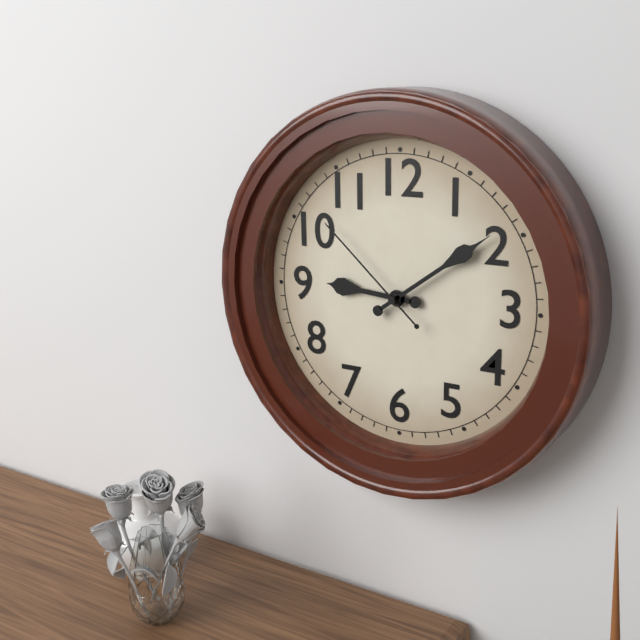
9.09.52
